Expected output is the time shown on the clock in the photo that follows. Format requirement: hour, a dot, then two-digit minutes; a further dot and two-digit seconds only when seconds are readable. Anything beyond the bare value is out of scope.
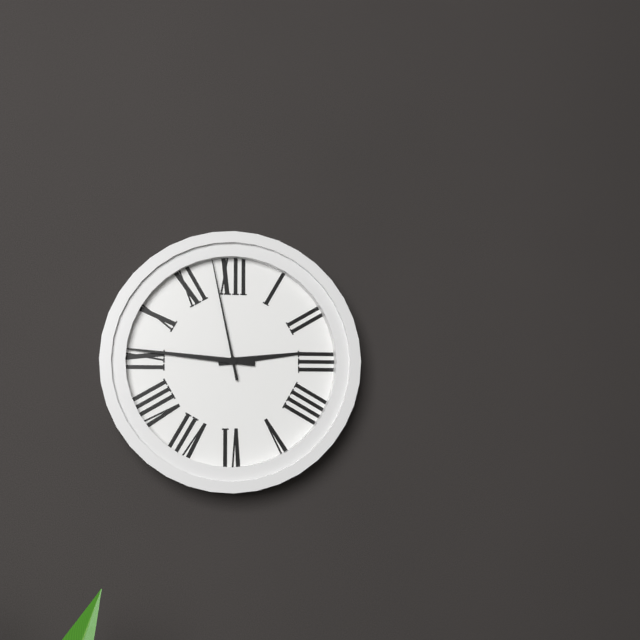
2.46.58
